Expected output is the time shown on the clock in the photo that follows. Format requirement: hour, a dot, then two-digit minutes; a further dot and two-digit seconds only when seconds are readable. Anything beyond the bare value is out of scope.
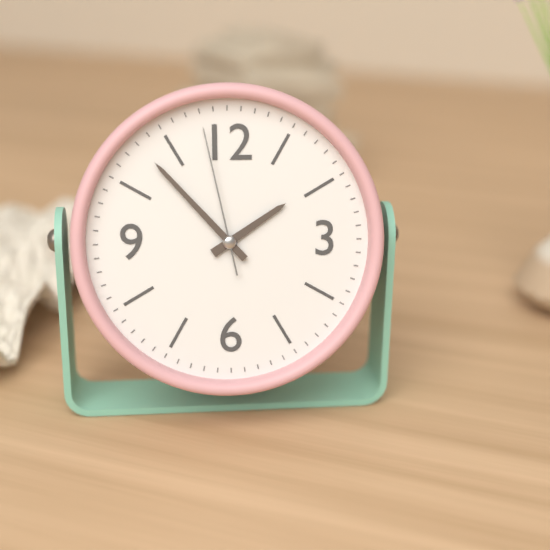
1.53.58
